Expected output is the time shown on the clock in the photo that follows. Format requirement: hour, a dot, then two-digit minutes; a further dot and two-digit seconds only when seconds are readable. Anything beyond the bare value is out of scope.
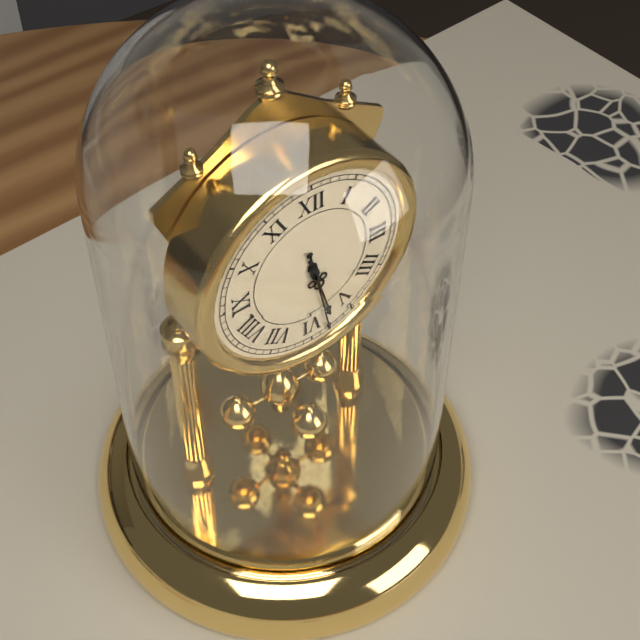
5.28
